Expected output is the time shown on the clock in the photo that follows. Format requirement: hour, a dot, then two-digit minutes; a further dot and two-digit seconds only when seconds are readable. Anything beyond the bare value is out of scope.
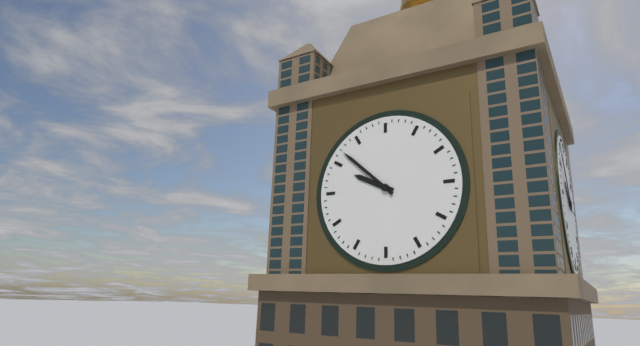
9.52
